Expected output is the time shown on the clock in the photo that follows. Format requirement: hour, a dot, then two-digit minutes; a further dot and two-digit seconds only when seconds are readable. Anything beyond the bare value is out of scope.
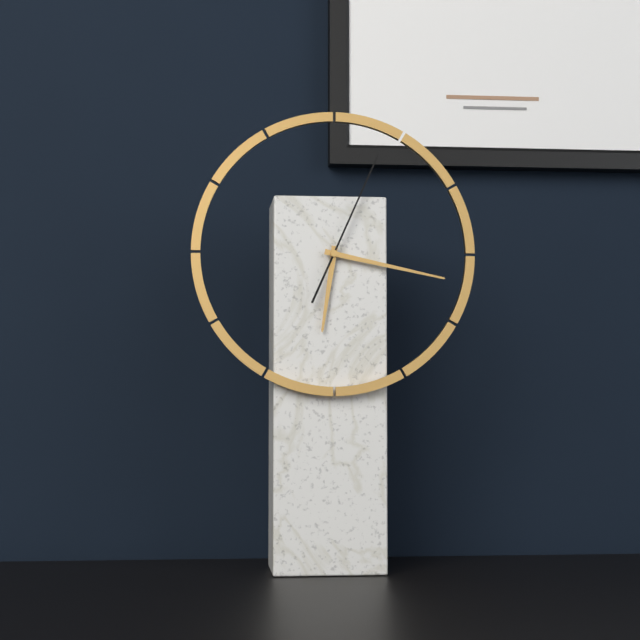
6.17.04
